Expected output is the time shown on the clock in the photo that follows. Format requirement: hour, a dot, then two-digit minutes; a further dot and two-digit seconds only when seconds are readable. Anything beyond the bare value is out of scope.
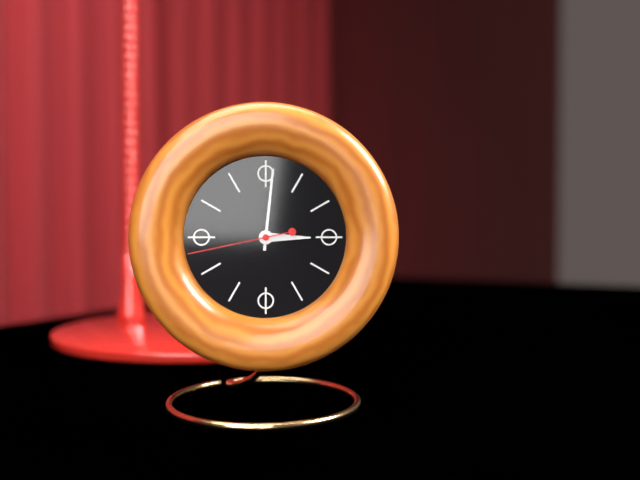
3.01.43
